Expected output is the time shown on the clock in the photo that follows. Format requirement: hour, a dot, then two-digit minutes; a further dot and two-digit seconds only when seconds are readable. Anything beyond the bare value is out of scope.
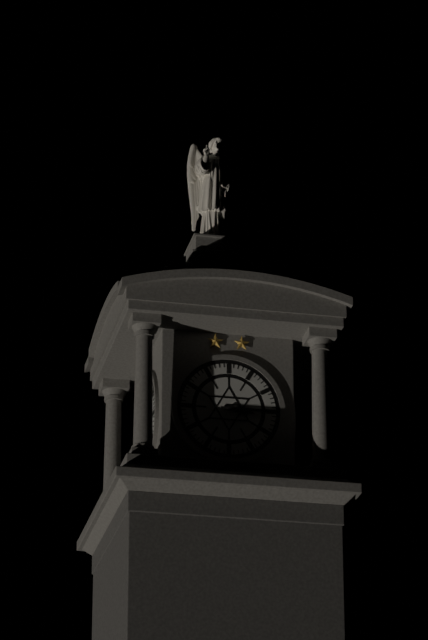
3.15
